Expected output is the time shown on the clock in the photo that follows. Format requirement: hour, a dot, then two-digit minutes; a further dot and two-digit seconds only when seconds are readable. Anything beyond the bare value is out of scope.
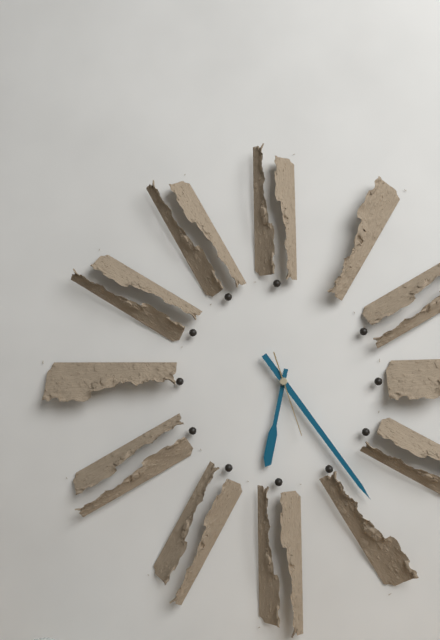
6.24.27
